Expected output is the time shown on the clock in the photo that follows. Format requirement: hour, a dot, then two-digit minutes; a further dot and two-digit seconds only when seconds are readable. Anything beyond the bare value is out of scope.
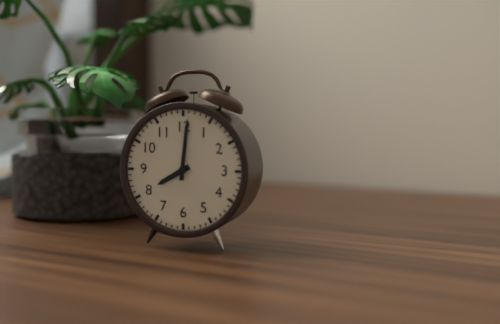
8.01
